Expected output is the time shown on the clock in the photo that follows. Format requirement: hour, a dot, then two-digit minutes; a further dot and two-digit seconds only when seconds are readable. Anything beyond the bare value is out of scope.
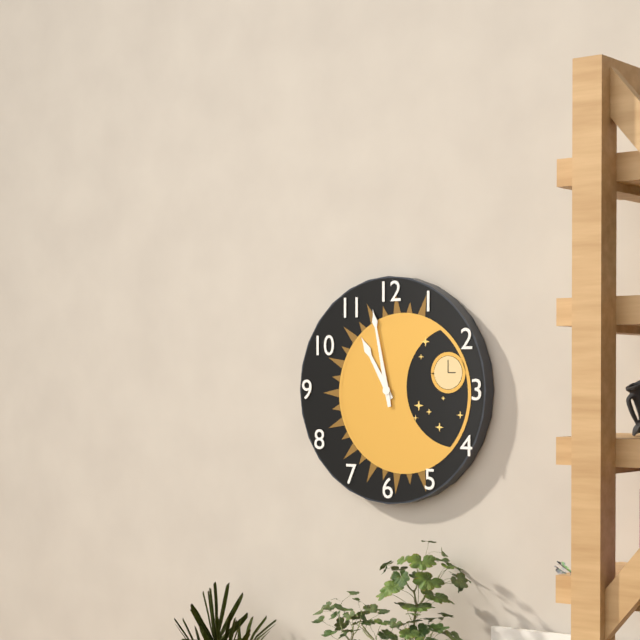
10.58
